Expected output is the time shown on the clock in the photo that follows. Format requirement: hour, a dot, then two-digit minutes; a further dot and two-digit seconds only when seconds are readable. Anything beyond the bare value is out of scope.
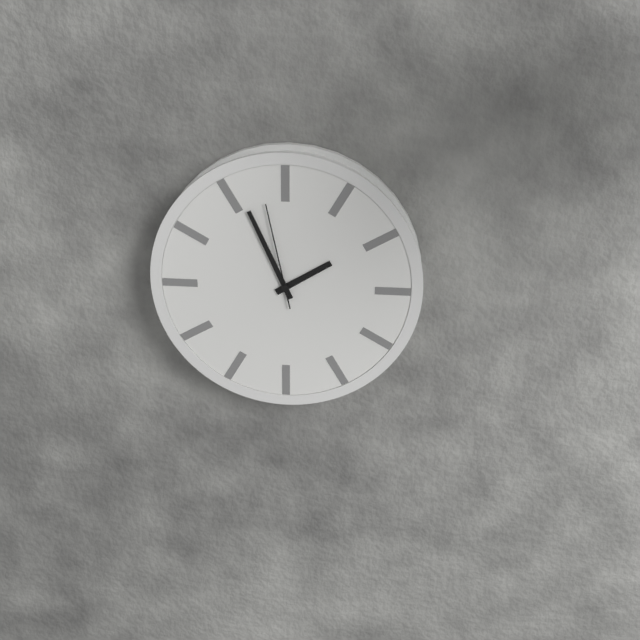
1.56.58
